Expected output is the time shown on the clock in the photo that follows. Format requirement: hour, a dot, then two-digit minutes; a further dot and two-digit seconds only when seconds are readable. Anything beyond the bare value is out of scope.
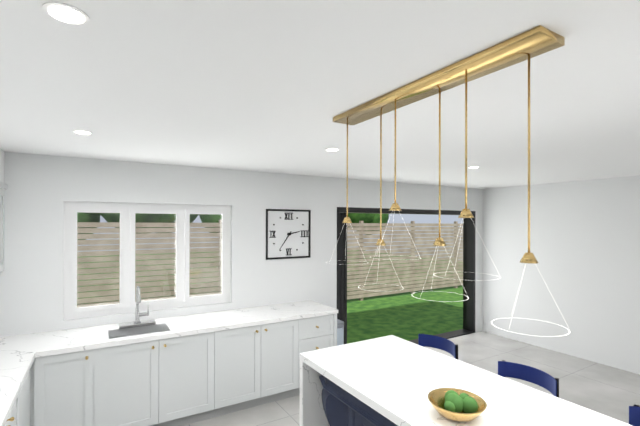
2.36
